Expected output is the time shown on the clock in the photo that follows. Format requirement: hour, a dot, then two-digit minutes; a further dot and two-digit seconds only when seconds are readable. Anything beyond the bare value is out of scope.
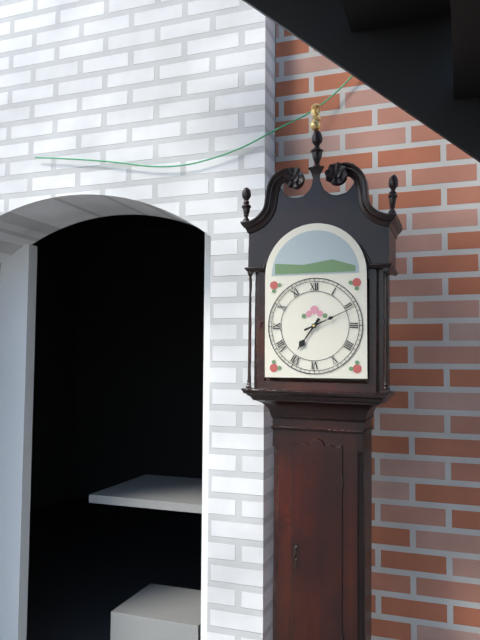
7.11
